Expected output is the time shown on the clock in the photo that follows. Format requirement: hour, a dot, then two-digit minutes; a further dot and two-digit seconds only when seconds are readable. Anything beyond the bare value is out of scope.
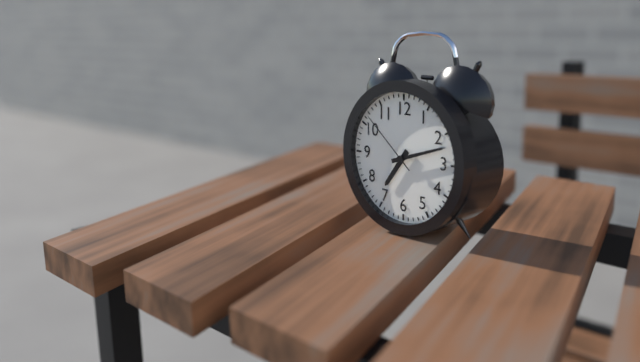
7.12.52
